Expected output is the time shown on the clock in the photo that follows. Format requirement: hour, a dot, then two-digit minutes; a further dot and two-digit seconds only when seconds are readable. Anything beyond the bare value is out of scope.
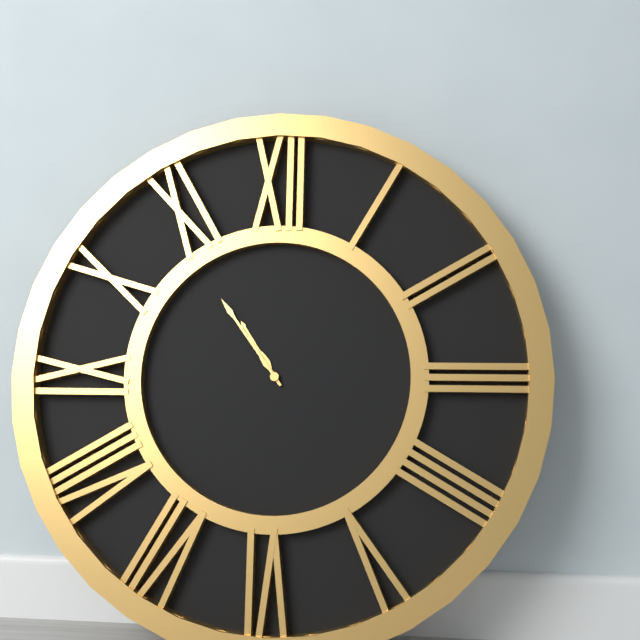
10.54
